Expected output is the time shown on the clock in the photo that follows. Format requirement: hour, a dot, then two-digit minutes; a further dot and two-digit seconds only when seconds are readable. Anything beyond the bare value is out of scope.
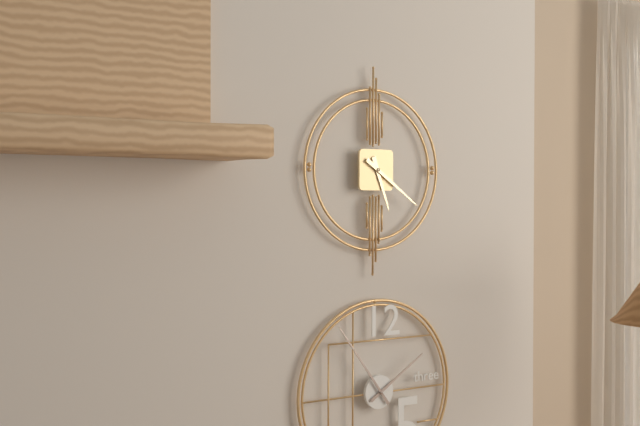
5.21
